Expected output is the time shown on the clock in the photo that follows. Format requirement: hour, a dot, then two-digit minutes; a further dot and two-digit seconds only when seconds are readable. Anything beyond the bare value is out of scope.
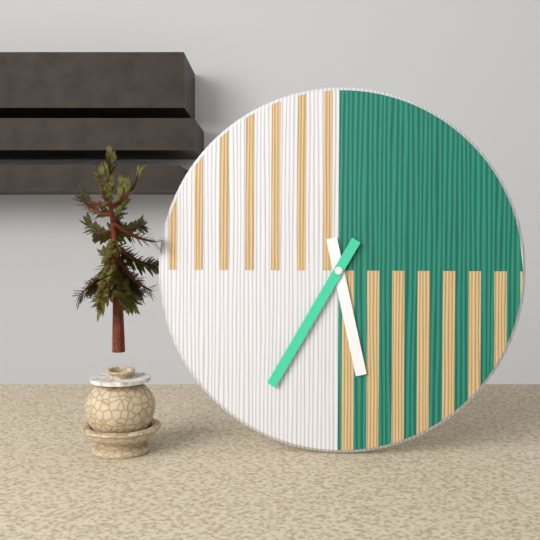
5.35
